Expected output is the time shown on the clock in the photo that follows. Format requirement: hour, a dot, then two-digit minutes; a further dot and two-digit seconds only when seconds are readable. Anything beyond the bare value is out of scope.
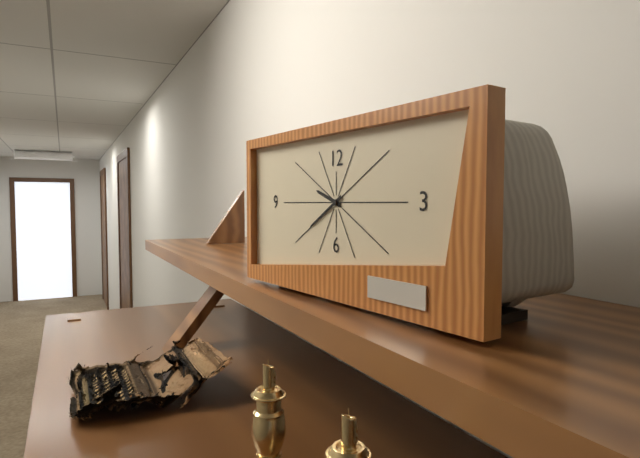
9.40
